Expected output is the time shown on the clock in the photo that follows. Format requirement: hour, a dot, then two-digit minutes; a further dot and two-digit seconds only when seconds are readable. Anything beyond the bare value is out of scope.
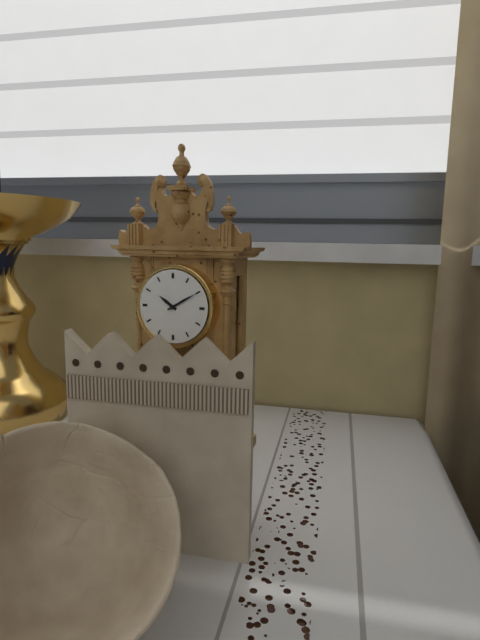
10.10
